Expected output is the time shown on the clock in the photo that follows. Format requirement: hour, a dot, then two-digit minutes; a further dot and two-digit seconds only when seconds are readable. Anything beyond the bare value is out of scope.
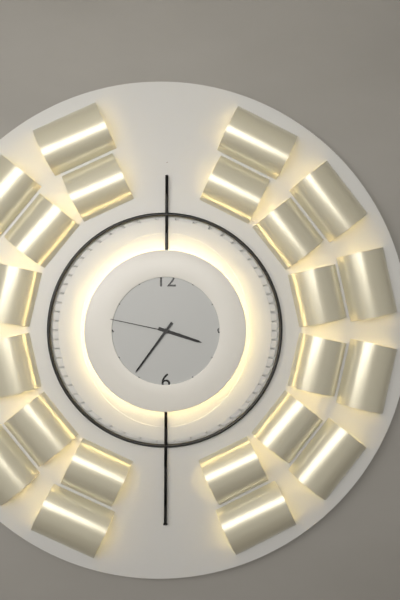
3.36.47
